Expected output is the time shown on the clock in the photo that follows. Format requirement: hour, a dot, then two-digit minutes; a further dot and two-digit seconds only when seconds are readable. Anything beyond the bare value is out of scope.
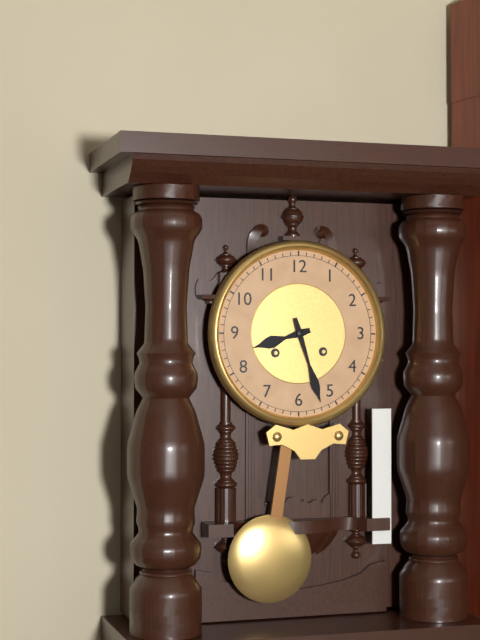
8.27
